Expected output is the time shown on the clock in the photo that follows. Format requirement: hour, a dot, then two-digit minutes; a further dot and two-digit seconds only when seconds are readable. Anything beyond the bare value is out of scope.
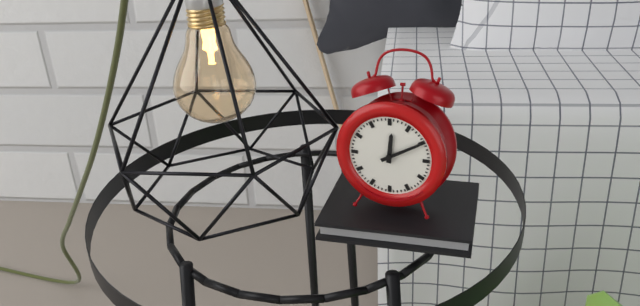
12.10
